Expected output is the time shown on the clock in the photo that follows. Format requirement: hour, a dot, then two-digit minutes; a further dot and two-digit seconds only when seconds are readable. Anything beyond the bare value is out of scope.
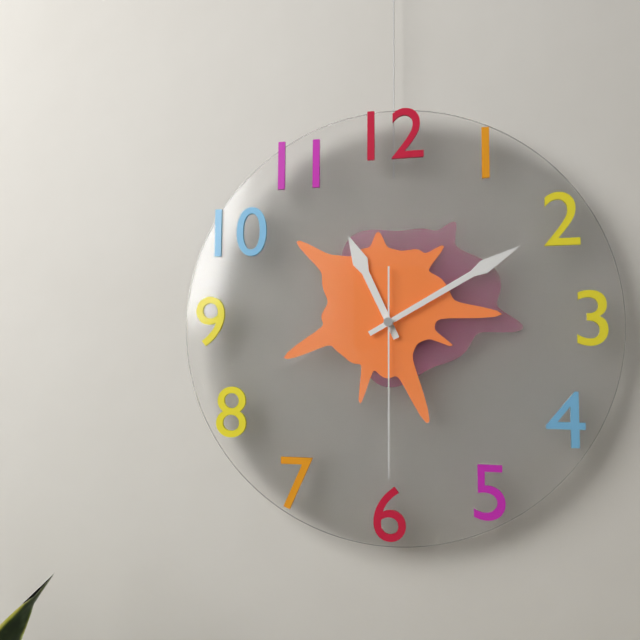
11.10.30
